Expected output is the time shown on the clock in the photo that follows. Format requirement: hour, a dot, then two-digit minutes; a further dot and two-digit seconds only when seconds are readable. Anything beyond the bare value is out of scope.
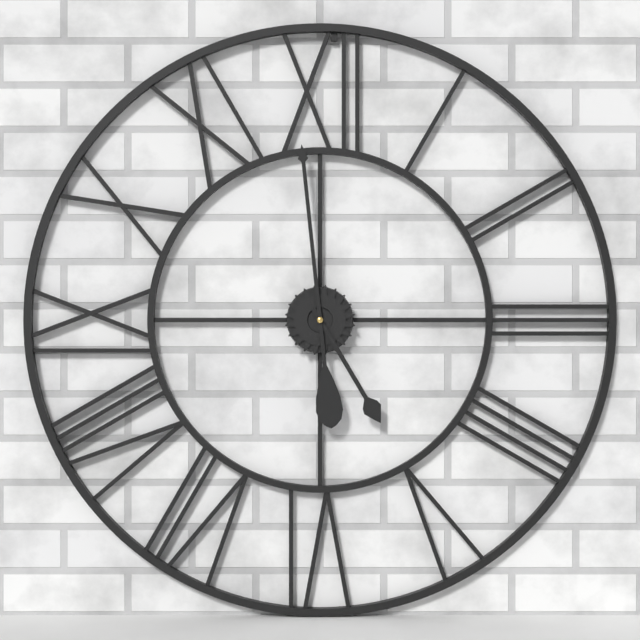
4.59
